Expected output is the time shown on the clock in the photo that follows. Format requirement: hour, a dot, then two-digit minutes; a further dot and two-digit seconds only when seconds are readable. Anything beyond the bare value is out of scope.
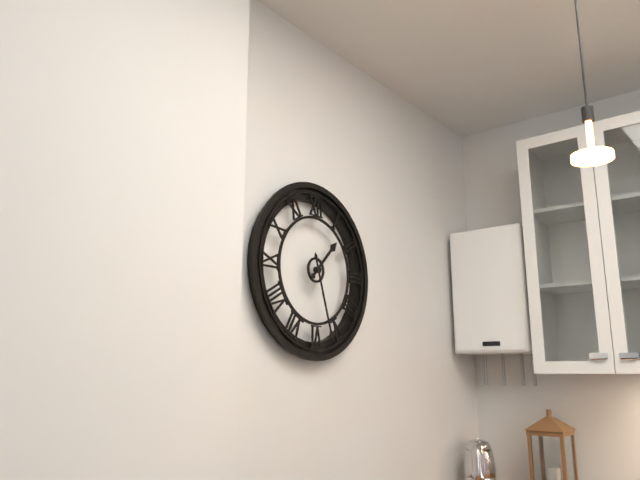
1.27
